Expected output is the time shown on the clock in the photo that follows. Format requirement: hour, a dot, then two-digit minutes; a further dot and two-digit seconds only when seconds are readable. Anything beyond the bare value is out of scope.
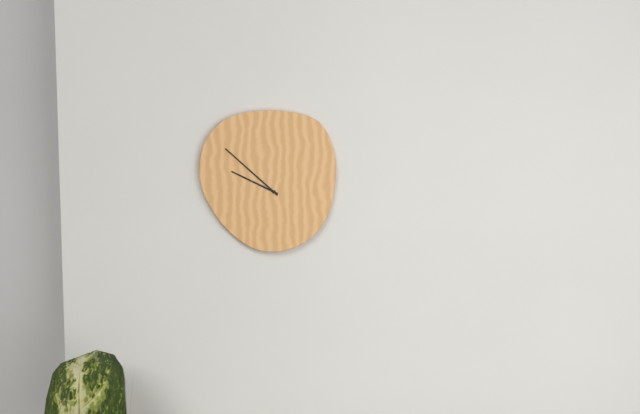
9.52
